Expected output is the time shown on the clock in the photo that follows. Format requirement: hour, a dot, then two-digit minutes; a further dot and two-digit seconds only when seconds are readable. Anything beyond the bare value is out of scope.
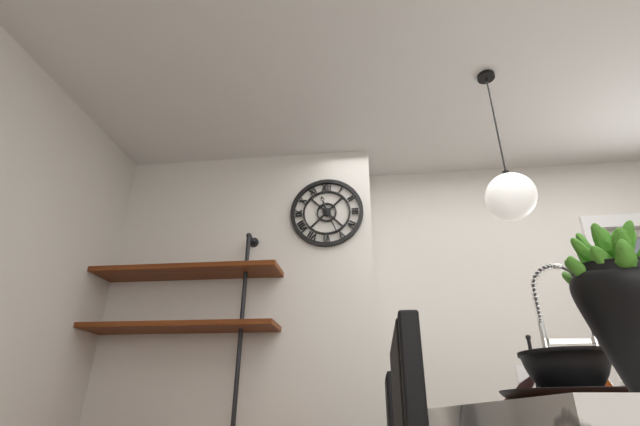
11.26
